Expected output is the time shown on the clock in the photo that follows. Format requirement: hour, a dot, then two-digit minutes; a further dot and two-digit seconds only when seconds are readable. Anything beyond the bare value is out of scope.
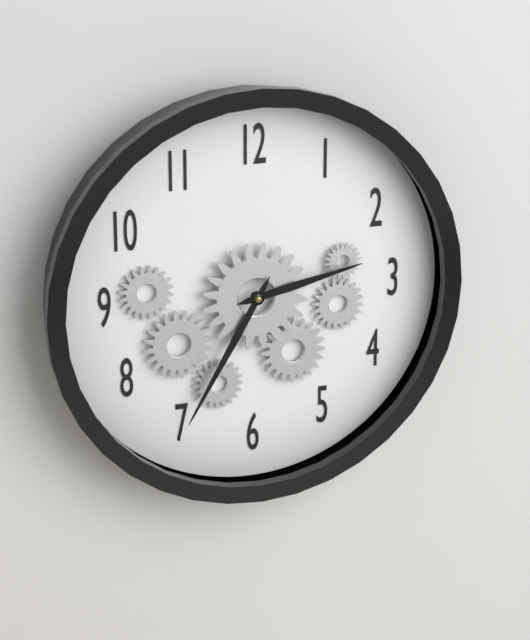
2.35
